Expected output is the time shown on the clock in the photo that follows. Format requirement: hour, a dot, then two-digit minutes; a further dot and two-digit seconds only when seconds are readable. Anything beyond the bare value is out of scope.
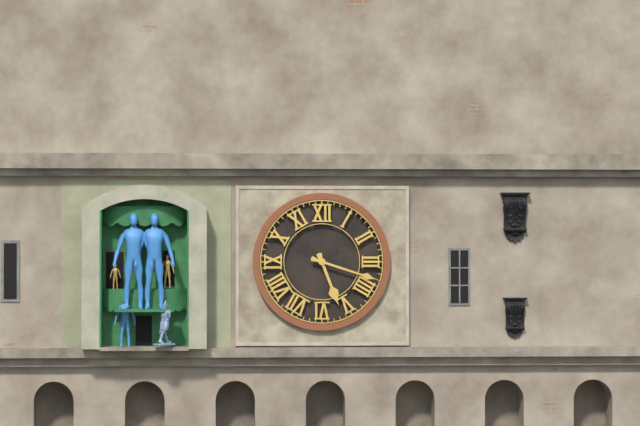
5.18
